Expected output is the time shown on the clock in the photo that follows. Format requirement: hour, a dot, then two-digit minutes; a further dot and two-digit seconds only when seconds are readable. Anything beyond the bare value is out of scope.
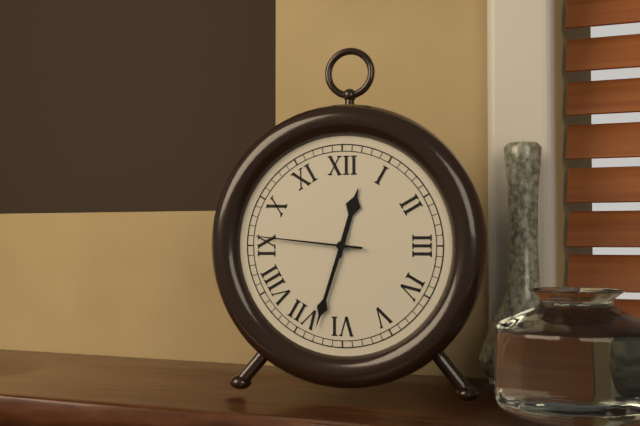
12.33.46
